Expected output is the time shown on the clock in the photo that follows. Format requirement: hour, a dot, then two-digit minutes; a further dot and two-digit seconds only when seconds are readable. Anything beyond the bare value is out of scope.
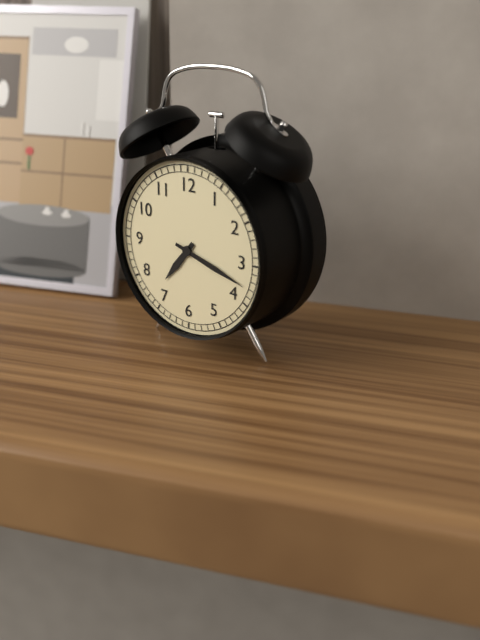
7.18
